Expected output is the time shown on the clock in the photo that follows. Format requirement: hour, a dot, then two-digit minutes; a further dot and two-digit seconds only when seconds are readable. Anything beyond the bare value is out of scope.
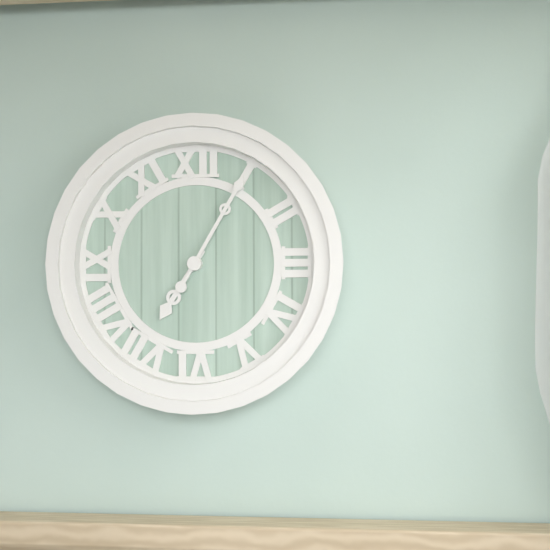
7.05
